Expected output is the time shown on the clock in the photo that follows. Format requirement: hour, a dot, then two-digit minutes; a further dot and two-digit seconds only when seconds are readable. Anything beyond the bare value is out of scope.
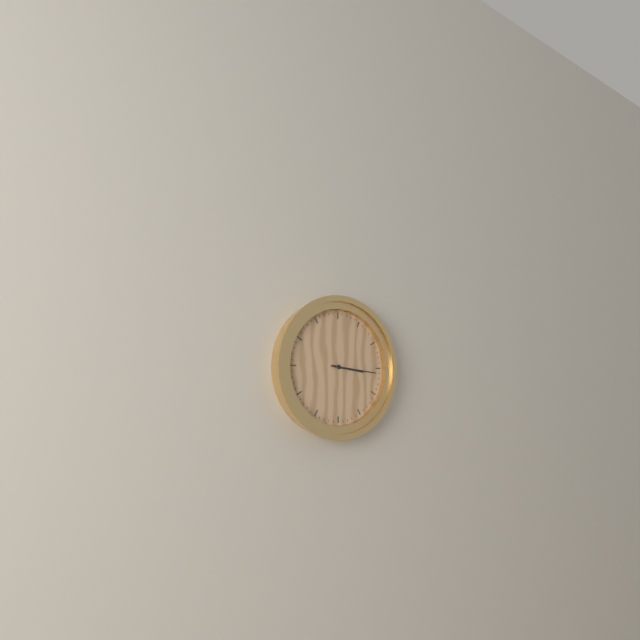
3.16
